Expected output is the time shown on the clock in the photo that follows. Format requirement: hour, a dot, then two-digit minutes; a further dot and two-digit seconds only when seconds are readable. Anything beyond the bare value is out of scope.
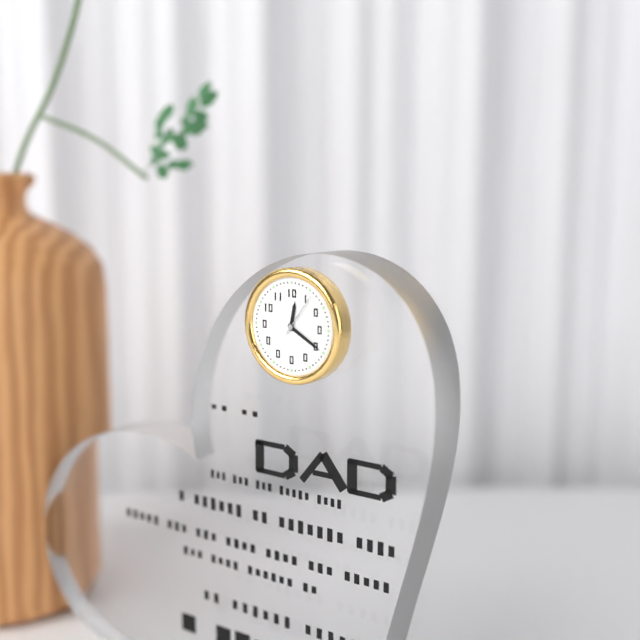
12.20
